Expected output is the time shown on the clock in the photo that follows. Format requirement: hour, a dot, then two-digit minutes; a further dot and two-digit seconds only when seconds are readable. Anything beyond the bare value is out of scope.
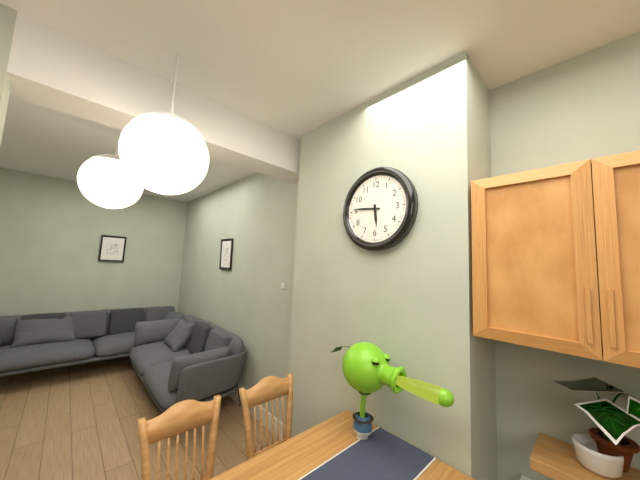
5.46
